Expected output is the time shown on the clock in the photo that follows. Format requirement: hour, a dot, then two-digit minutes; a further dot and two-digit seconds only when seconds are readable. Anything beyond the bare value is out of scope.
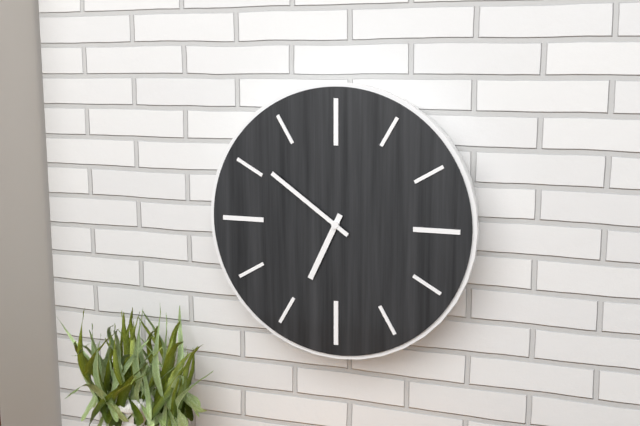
6.51
